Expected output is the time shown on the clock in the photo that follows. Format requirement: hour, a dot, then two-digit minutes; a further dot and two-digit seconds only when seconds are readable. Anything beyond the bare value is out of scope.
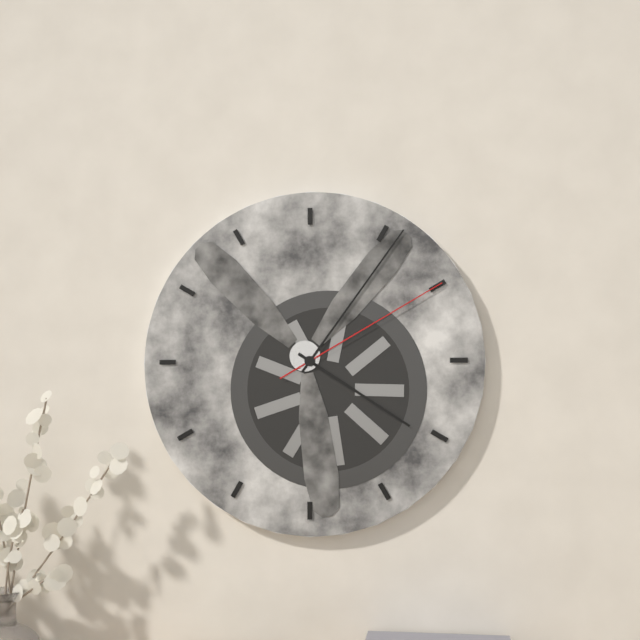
4.06.10
